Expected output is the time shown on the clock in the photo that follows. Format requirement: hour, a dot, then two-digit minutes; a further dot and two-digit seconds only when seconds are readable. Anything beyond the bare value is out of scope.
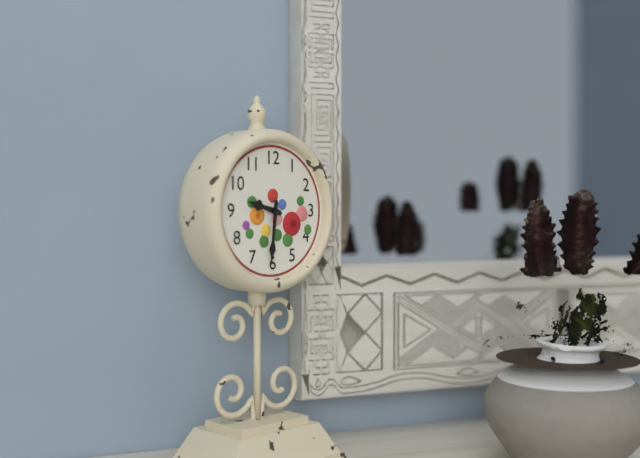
9.31
